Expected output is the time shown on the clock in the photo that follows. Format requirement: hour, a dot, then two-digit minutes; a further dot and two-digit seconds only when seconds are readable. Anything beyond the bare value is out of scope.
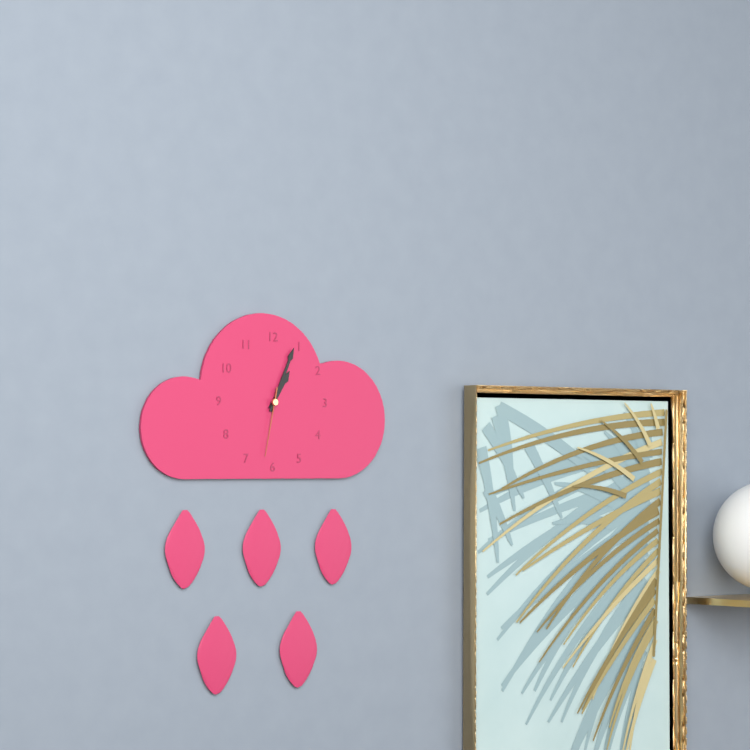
1.04.32
